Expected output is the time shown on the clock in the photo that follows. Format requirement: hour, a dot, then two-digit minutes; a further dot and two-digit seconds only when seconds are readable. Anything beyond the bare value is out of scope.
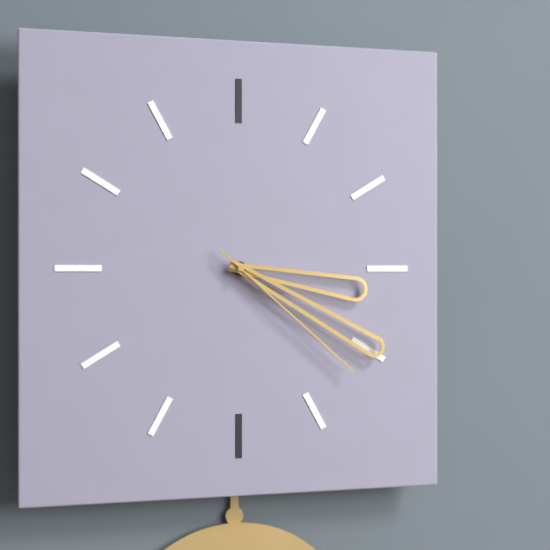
3.20.22
